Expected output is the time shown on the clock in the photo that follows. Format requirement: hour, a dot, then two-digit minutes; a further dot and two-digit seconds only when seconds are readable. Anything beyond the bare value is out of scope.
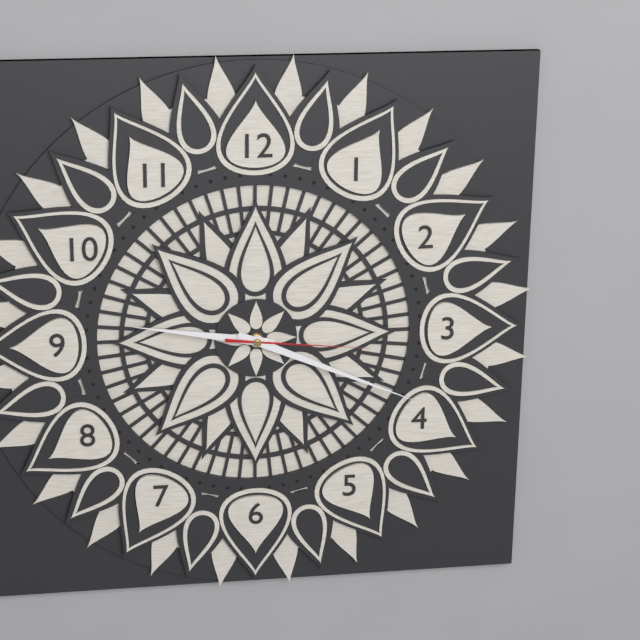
9.19.16
